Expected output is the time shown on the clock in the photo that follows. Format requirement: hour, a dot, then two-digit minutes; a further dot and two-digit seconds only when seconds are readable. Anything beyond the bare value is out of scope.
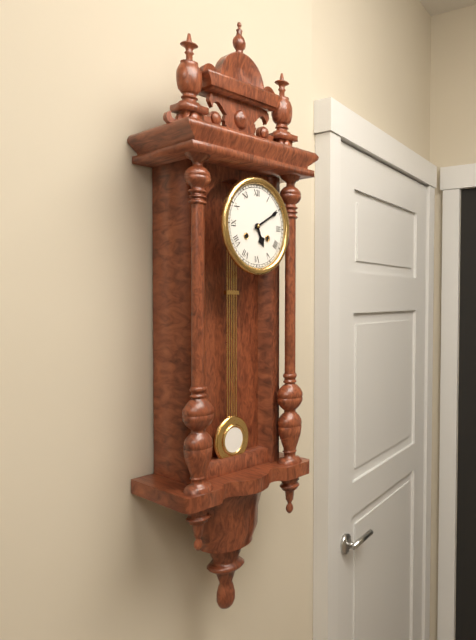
5.10
